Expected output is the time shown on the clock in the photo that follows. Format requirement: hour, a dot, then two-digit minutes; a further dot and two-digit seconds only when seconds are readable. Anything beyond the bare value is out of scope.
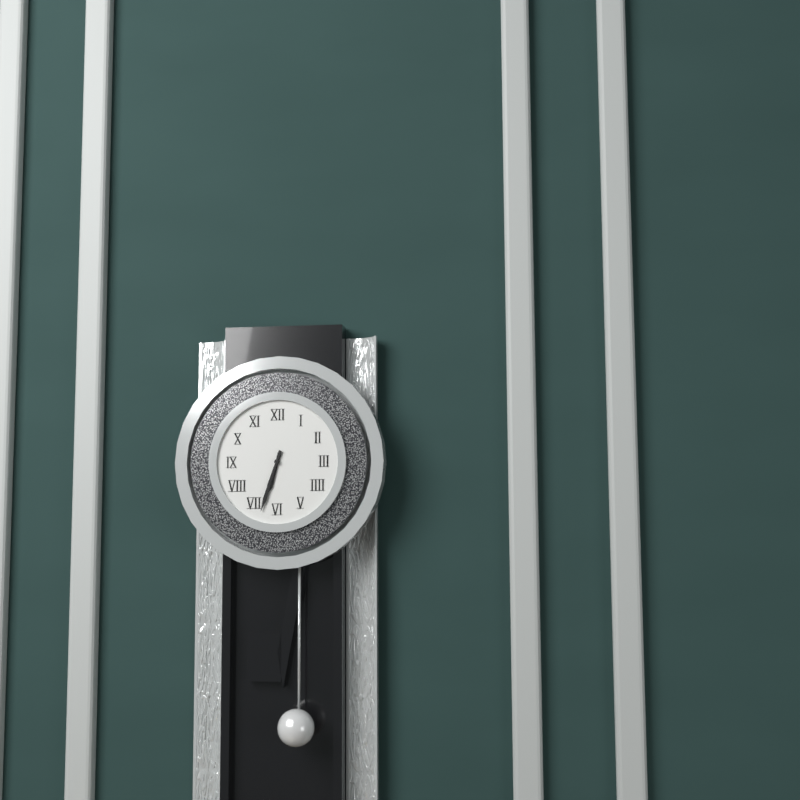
6.33
